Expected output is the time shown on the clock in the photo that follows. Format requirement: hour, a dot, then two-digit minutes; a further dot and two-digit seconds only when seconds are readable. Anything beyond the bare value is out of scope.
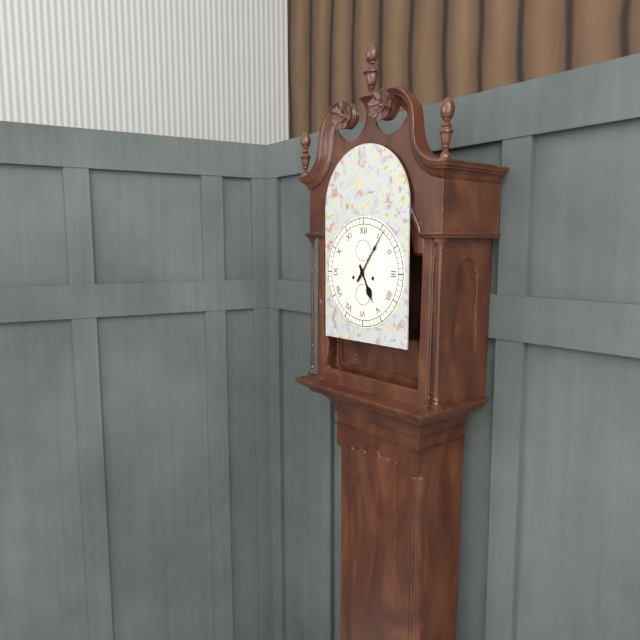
5.06
